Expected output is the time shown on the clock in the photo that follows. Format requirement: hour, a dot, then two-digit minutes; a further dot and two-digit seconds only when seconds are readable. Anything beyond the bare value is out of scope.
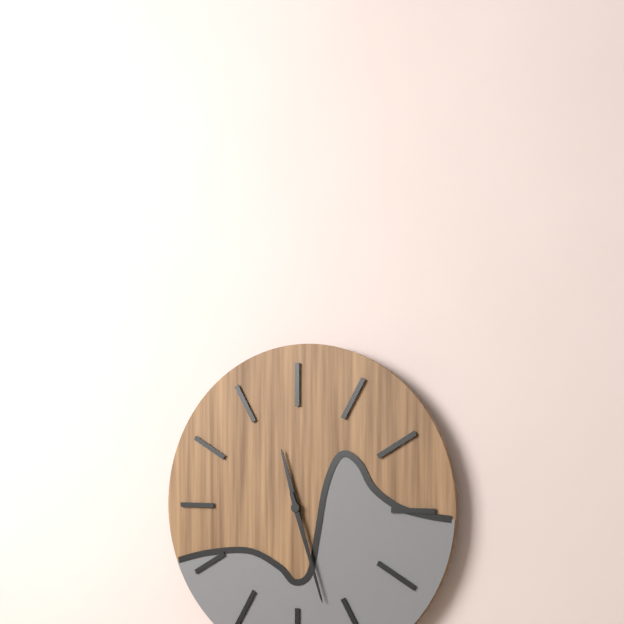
11.27
